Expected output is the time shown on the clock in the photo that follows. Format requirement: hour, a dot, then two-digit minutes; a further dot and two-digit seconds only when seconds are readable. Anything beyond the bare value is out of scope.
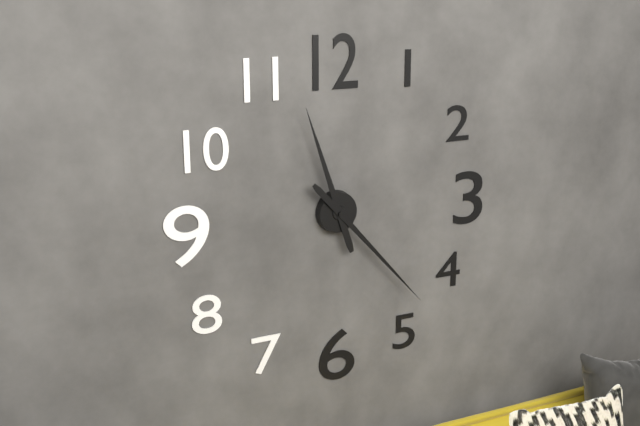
11.23
